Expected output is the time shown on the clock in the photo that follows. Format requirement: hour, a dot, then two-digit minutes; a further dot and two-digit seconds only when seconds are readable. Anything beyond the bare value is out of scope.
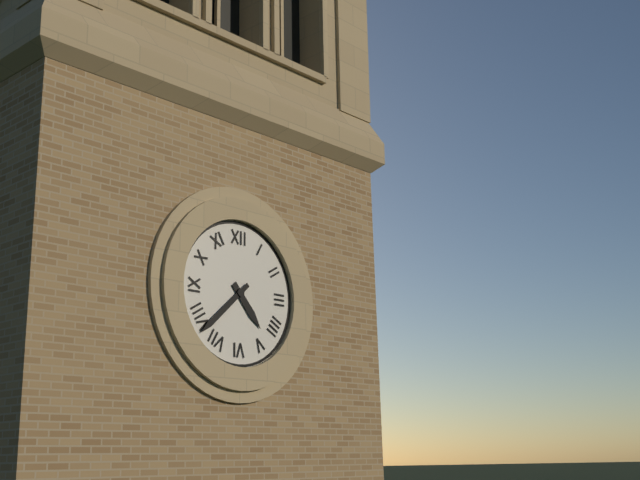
4.38
